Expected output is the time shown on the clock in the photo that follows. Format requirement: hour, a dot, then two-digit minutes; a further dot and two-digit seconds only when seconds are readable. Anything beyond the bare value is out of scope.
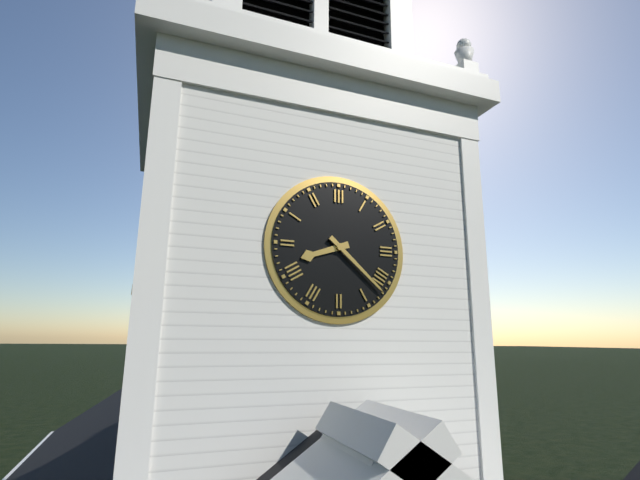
8.22
